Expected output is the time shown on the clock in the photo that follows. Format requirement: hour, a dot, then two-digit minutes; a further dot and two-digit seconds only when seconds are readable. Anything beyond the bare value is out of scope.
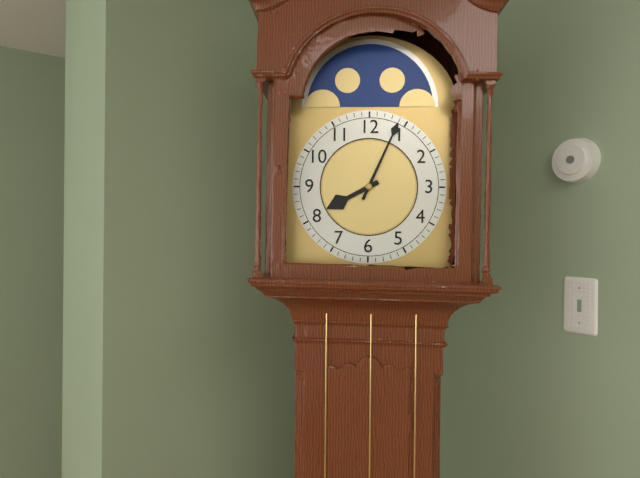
8.04
